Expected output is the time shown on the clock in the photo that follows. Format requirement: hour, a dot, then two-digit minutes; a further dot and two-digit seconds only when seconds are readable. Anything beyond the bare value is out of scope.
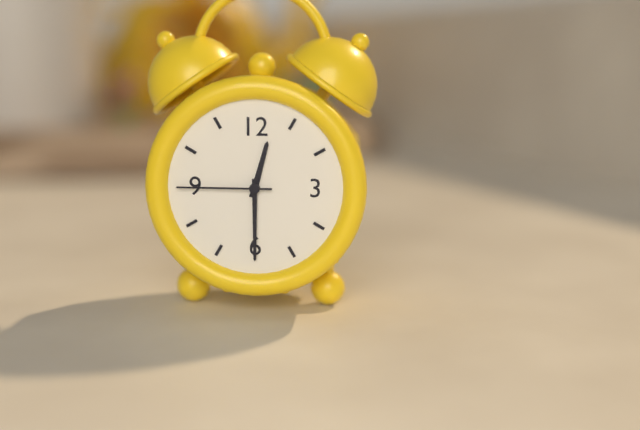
12.30.45
